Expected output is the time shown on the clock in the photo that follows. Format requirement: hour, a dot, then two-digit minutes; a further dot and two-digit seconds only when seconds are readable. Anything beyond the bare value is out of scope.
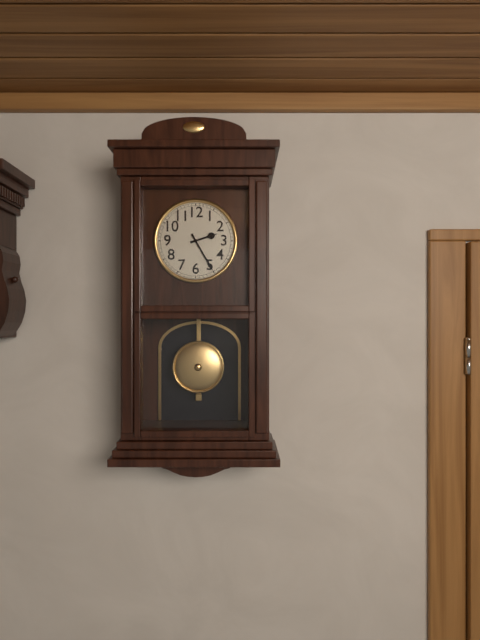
2.25
